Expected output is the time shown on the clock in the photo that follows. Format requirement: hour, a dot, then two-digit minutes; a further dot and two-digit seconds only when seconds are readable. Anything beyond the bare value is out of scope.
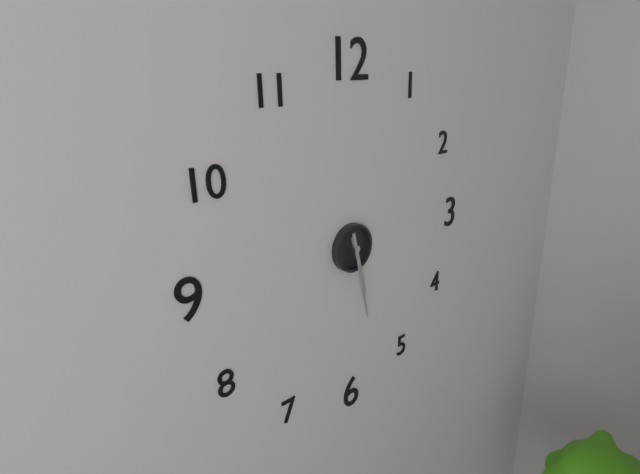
5.28
